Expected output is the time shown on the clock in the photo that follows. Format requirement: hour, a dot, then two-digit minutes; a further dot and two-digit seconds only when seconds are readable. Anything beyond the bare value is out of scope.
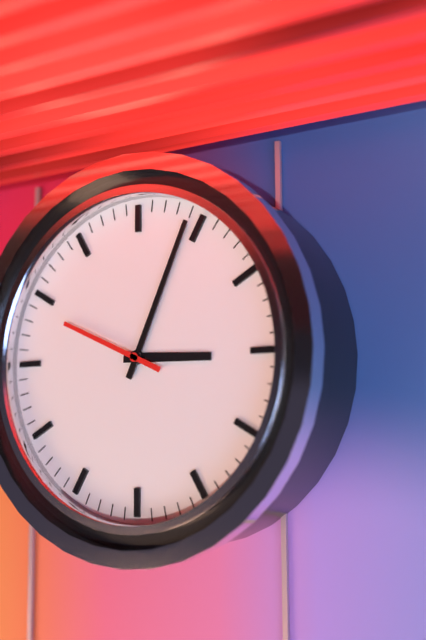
3.04.49
